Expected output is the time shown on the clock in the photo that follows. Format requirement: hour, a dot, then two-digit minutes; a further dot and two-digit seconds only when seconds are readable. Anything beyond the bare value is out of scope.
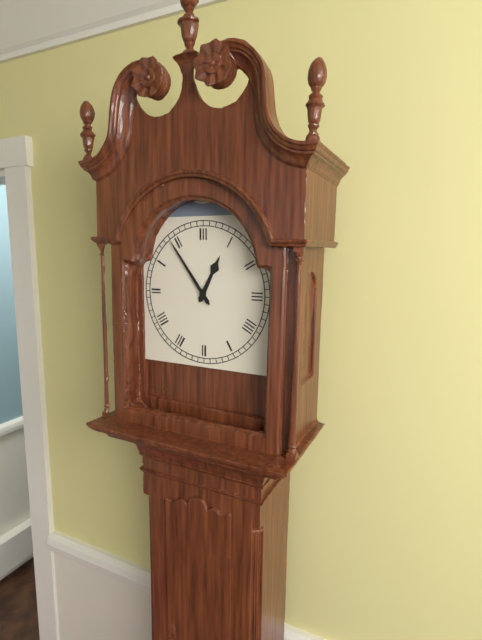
12.54
